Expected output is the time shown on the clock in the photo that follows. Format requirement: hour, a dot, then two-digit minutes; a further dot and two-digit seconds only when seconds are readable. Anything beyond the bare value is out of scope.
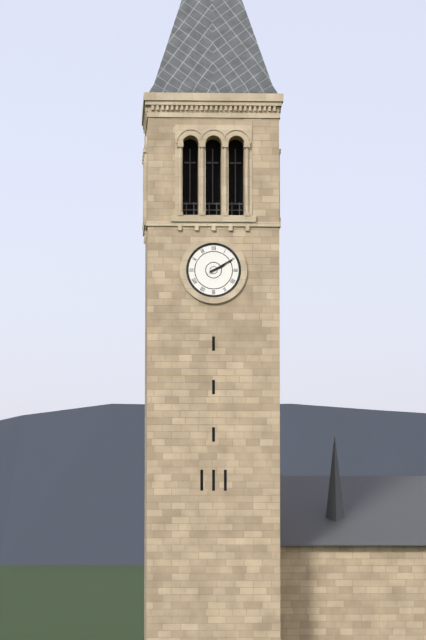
2.10
